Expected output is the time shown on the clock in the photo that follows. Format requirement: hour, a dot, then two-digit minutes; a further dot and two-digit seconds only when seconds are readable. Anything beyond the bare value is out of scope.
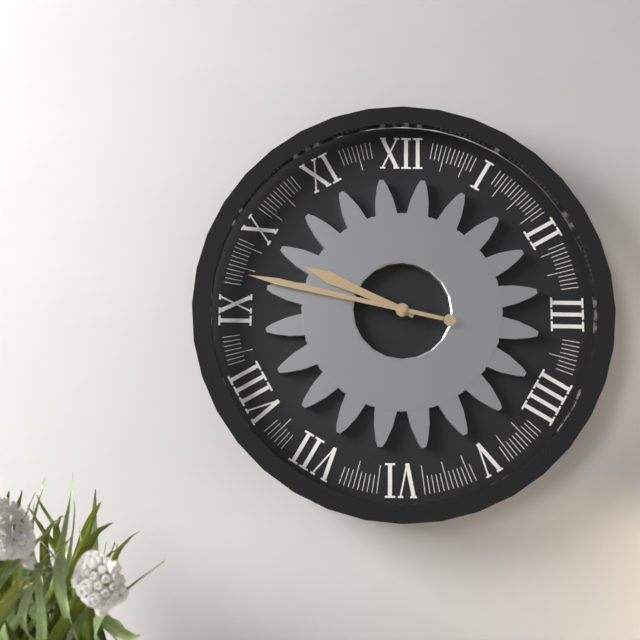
9.47
